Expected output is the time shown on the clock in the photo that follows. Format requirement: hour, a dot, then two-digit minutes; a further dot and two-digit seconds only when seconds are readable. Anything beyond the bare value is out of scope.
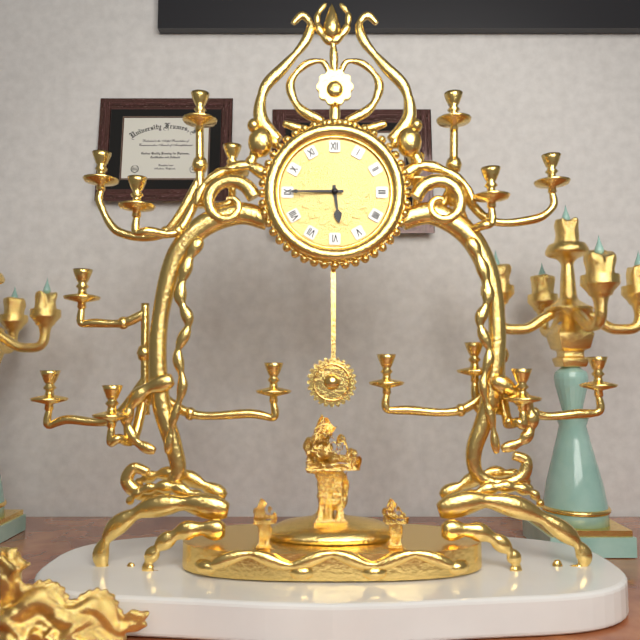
5.45
